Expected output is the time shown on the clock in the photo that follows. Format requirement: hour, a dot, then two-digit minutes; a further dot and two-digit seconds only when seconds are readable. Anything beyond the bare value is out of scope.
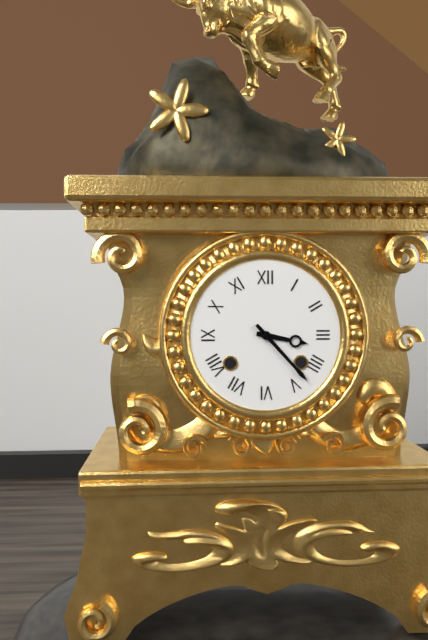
3.23
